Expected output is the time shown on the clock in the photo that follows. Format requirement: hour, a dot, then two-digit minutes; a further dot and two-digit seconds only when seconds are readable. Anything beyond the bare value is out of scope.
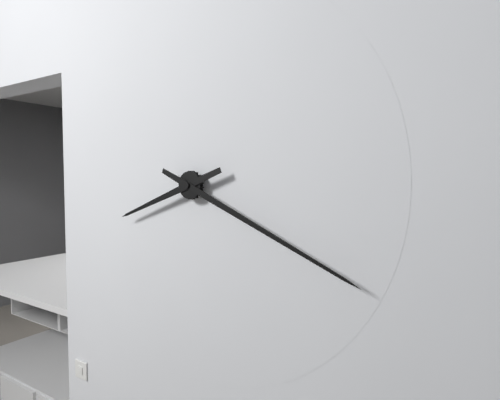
8.19
